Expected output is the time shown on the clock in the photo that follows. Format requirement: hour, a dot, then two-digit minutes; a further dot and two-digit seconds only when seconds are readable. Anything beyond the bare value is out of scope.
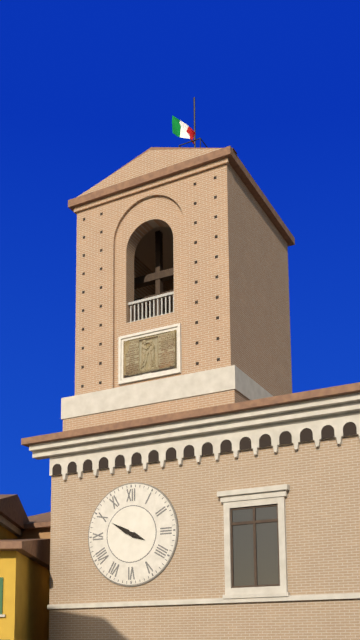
3.50
